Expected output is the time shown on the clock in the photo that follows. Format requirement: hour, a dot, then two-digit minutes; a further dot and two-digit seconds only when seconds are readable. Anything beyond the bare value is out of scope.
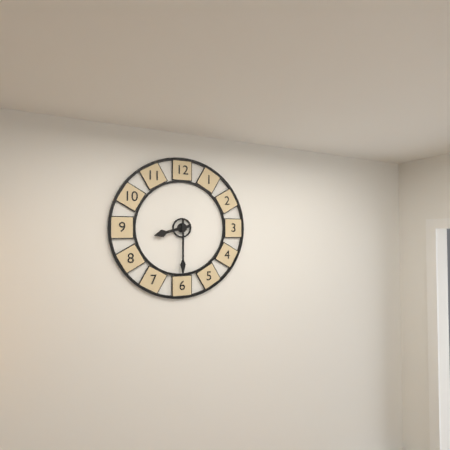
8.30
